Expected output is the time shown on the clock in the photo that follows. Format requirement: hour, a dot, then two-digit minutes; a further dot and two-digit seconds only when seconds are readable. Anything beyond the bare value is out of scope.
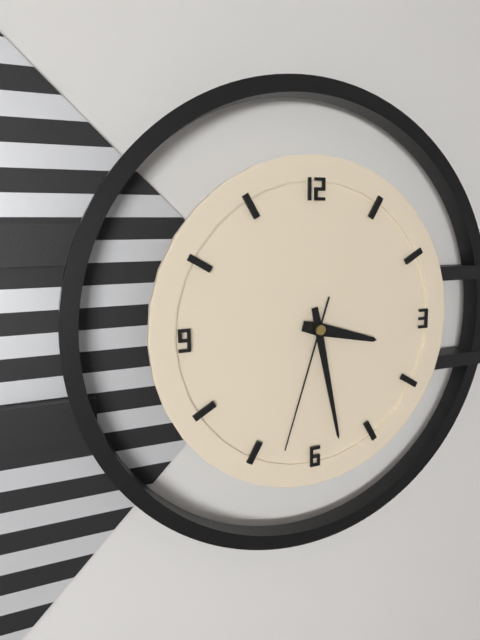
3.28.33
